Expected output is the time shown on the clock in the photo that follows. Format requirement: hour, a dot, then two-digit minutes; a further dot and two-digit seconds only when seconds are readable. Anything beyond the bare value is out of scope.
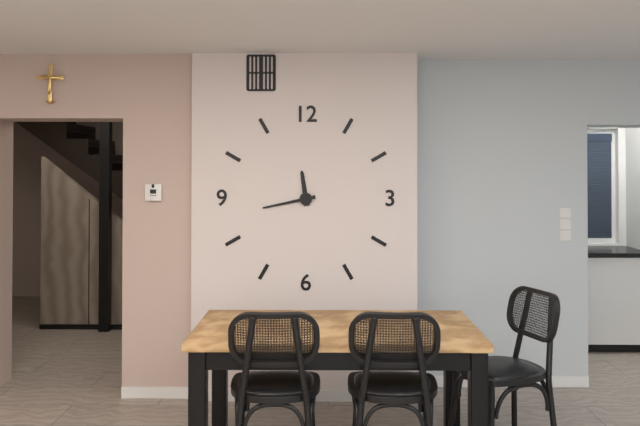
11.43
